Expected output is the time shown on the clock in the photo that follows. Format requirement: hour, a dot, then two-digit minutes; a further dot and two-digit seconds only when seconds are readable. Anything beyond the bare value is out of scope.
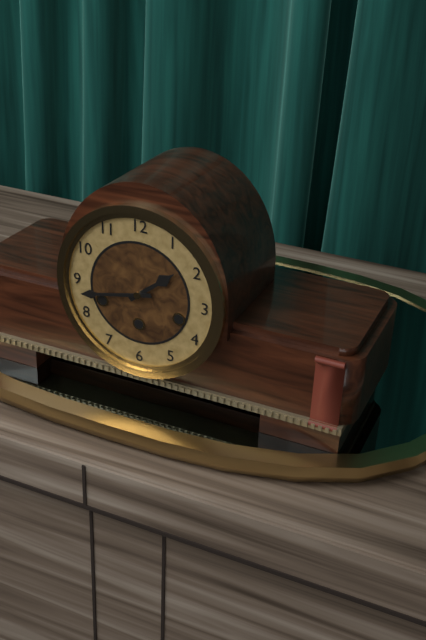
1.43
